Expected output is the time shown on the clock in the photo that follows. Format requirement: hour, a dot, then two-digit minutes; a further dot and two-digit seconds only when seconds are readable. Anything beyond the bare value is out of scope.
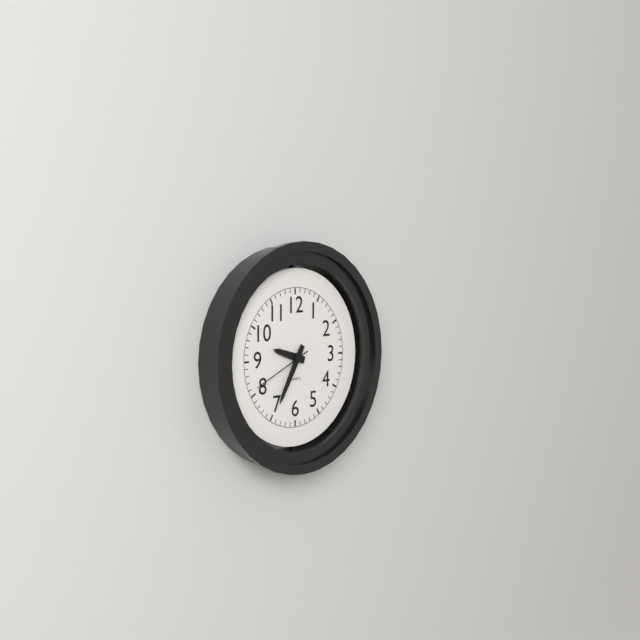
9.35.41
